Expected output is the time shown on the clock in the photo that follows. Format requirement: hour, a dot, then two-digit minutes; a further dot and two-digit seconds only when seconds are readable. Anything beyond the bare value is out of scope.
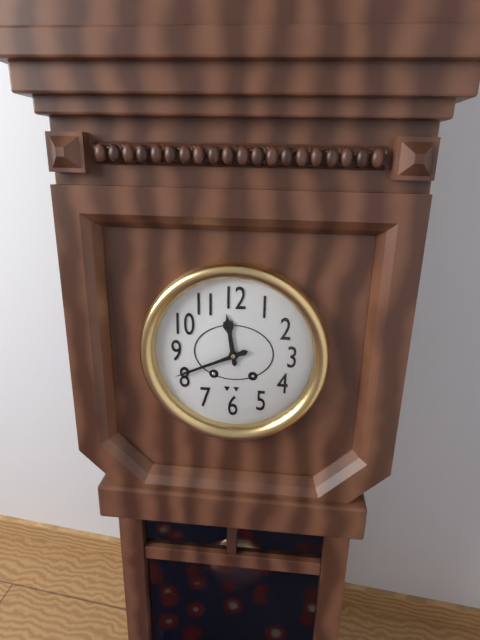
11.41
